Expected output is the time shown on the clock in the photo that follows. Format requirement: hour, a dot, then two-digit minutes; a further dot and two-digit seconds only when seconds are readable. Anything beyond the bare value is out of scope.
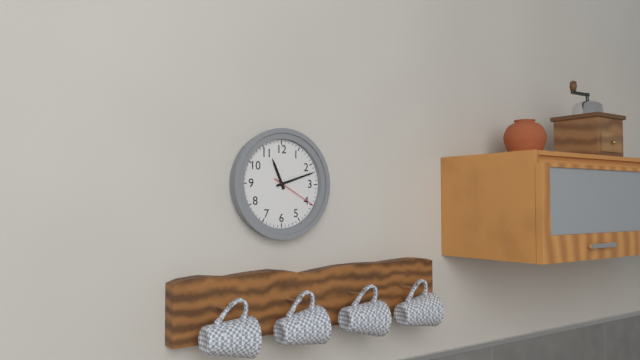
11.12
